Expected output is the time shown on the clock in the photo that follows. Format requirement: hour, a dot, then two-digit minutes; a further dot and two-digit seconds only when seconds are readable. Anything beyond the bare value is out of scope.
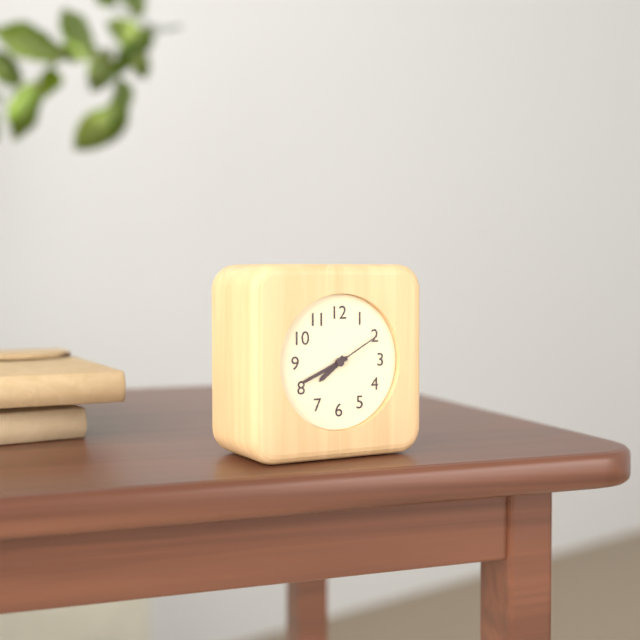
7.41.10
